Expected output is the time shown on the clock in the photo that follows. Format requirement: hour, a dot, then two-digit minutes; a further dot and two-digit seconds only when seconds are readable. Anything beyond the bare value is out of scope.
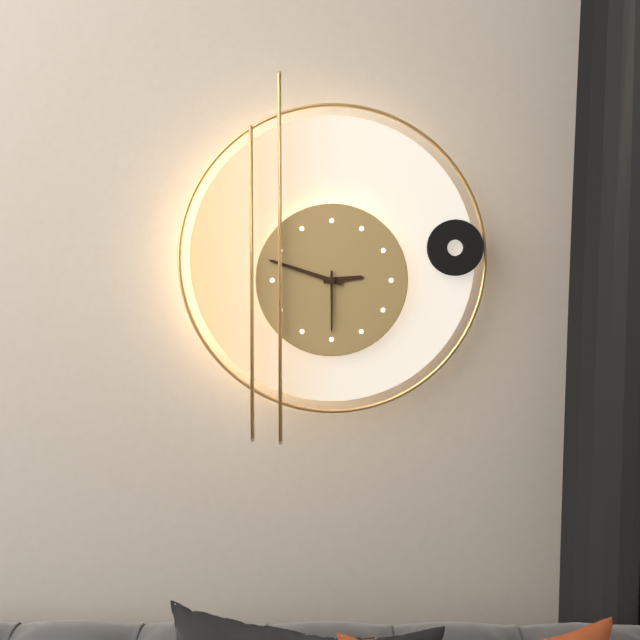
2.48.30
